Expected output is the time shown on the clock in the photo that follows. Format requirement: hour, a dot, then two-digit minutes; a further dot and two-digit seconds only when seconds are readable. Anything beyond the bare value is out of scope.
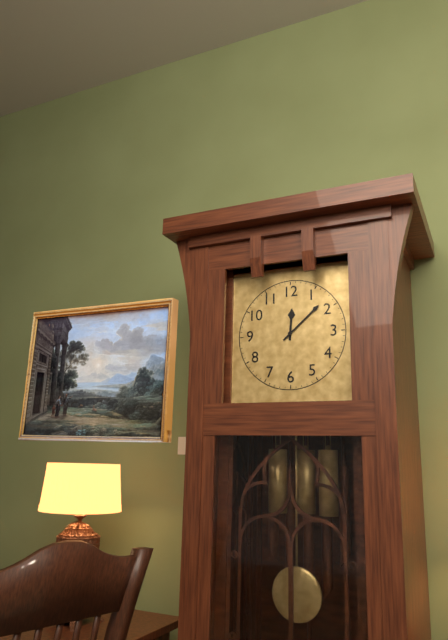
12.08
